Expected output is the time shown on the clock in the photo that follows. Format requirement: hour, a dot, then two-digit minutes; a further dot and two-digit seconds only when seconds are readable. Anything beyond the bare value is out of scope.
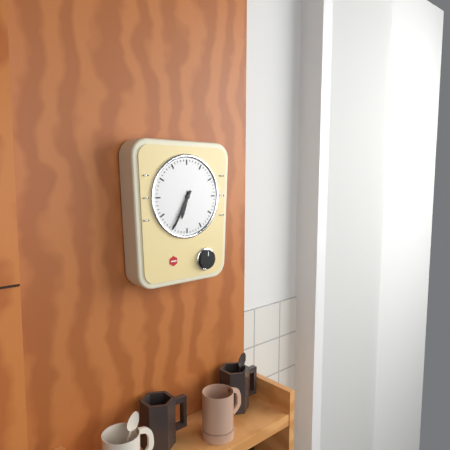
6.35
